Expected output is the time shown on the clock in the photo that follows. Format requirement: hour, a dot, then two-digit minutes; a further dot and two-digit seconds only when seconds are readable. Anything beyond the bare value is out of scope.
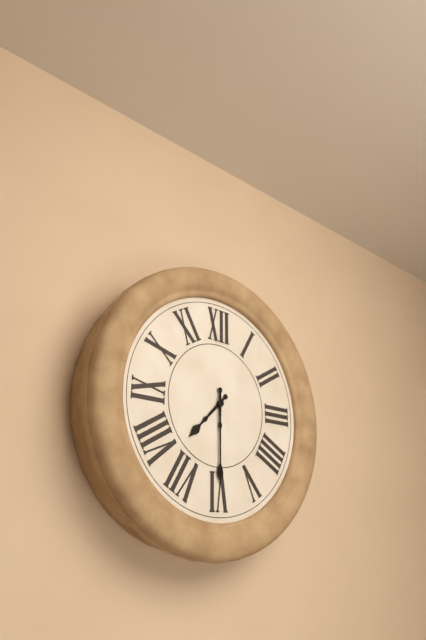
7.30
